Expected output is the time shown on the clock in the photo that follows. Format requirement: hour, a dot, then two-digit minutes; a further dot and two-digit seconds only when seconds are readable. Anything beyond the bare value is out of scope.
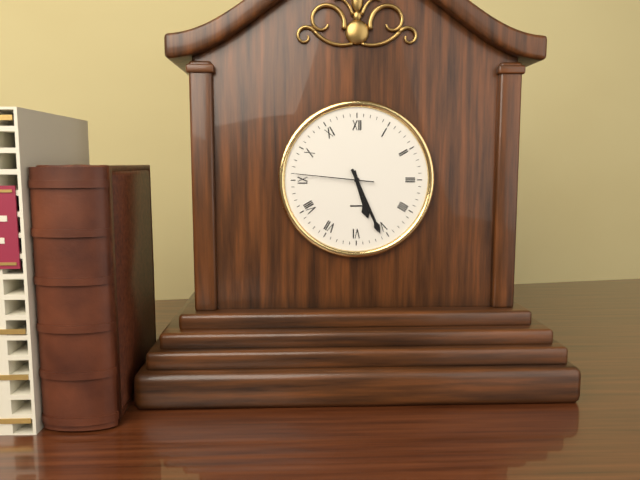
5.26.46
